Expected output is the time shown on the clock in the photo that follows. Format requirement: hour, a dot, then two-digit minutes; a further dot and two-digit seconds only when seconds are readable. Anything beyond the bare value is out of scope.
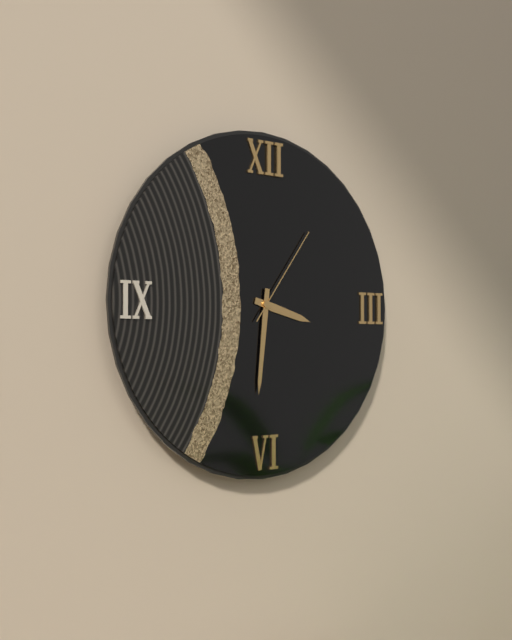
3.31.06
